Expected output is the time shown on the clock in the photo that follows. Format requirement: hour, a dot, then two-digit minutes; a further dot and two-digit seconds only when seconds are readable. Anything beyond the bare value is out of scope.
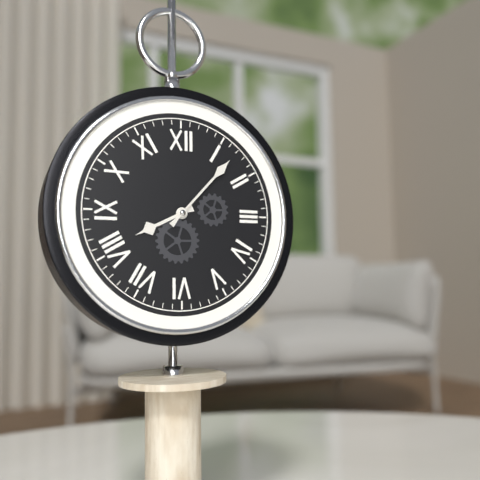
8.07
